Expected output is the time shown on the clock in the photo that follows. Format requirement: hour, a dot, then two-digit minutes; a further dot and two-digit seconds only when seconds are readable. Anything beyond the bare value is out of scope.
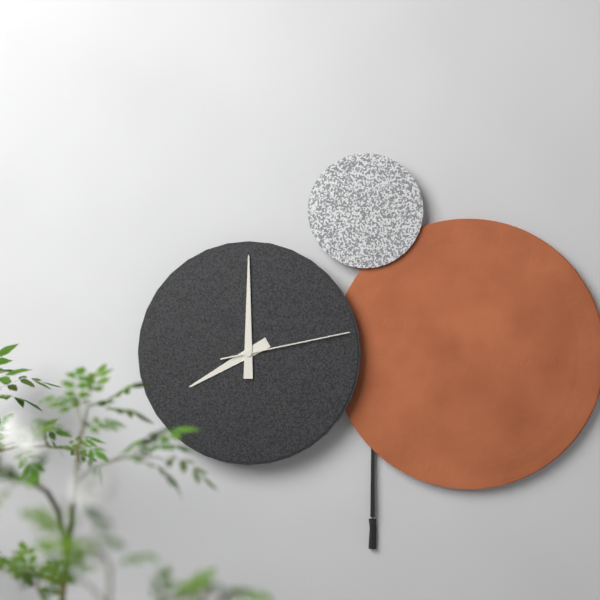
8.00.13
